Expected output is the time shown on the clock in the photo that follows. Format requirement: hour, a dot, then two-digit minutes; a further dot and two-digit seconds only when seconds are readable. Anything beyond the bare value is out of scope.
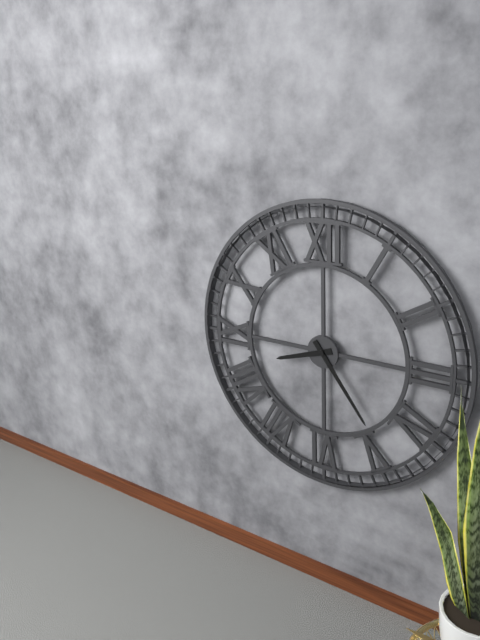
8.24
